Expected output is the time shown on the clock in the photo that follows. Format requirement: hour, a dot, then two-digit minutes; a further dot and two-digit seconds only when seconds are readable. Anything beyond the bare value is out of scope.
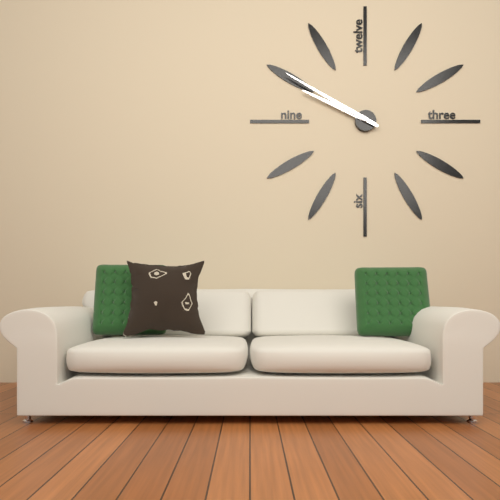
9.50
